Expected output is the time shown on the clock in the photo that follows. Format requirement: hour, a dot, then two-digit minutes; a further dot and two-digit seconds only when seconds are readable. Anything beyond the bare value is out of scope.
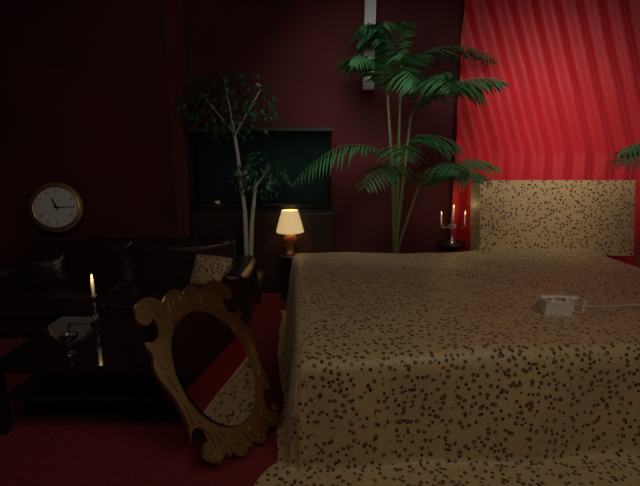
11.15
